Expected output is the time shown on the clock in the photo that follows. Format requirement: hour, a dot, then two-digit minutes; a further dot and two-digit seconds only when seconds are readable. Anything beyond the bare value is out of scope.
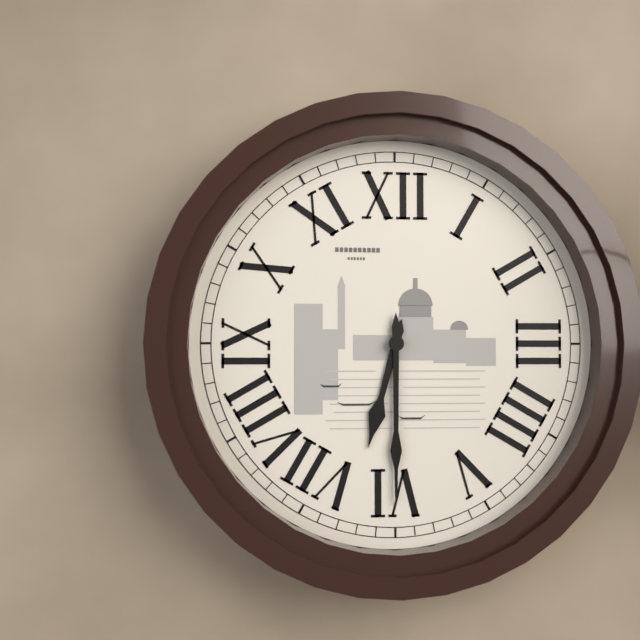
6.30
